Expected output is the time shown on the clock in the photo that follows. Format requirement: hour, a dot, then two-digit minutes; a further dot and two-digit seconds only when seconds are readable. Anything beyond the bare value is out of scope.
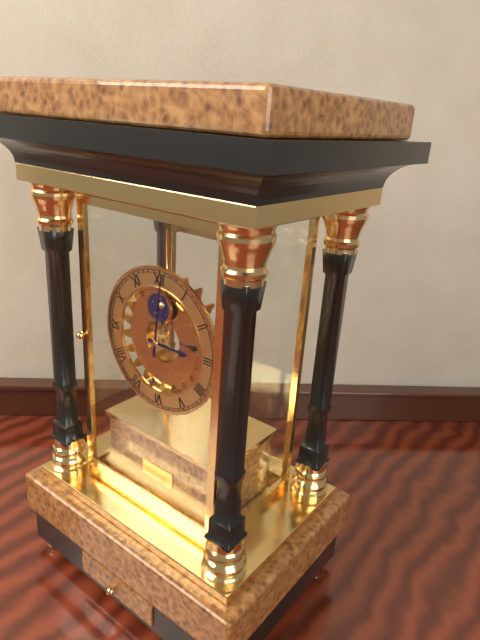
3.01
